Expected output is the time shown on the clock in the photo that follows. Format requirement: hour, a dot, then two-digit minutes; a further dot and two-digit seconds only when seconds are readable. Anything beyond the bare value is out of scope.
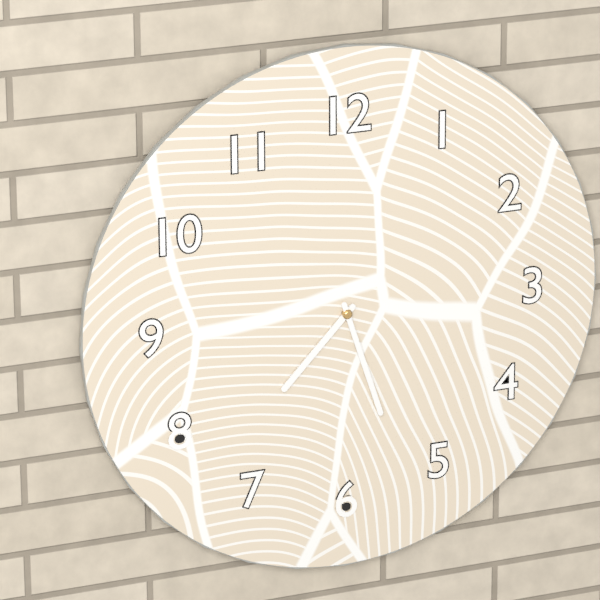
7.27
